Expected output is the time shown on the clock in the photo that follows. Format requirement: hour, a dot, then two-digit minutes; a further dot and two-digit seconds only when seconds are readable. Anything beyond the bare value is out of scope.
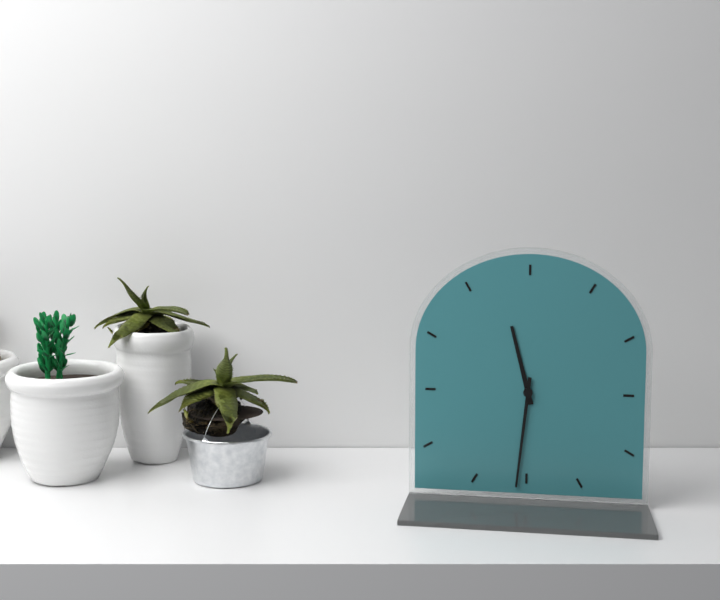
11.31
